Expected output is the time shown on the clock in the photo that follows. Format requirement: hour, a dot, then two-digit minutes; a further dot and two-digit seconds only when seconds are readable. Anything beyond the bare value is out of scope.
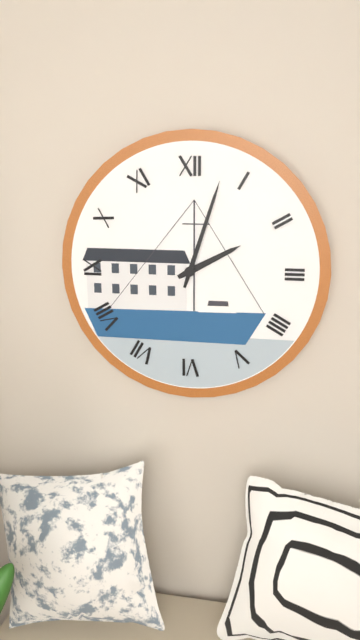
2.03
